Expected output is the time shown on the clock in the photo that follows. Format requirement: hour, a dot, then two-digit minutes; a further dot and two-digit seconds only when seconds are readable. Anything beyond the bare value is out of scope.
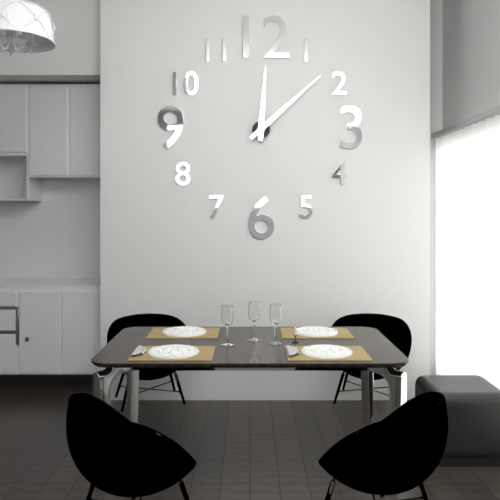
12.08
